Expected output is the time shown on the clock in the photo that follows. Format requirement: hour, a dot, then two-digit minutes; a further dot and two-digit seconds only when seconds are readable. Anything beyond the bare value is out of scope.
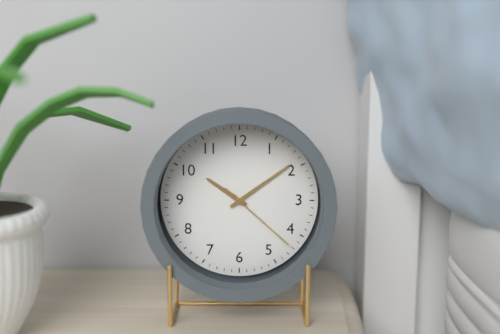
10.09.22
